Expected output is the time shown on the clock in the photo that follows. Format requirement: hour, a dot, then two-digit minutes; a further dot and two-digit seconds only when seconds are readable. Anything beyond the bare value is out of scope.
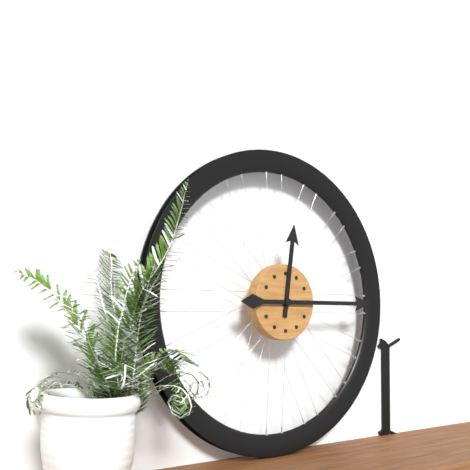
12.15
